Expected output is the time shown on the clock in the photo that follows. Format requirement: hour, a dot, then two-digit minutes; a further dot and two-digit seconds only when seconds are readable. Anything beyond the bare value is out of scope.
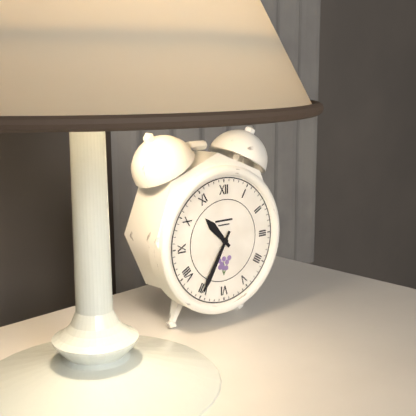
10.35
